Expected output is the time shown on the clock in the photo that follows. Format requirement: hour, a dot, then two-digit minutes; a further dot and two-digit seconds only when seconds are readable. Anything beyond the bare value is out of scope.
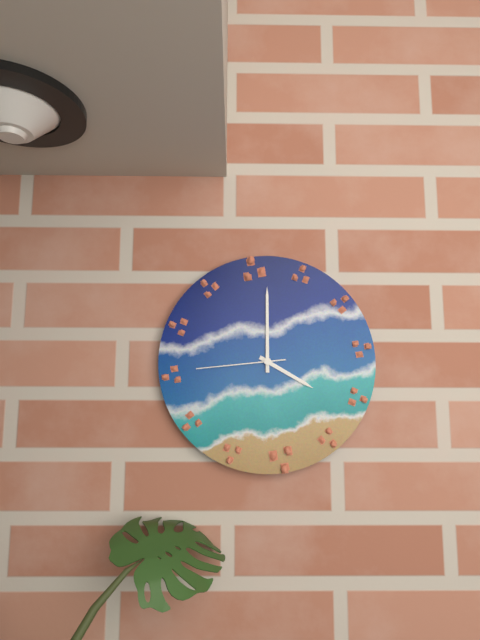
4.00.44
